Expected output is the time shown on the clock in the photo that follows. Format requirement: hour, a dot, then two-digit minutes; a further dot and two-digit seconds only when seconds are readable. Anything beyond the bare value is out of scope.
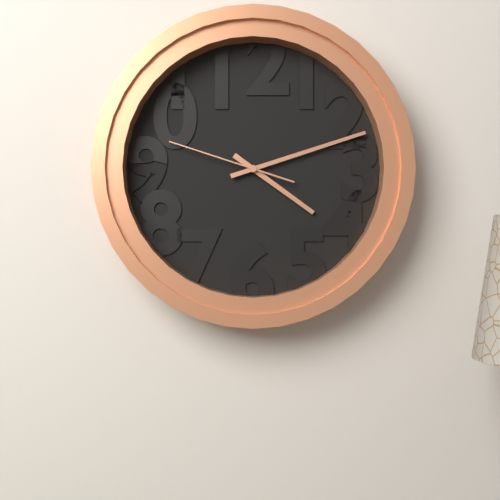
4.12.48
